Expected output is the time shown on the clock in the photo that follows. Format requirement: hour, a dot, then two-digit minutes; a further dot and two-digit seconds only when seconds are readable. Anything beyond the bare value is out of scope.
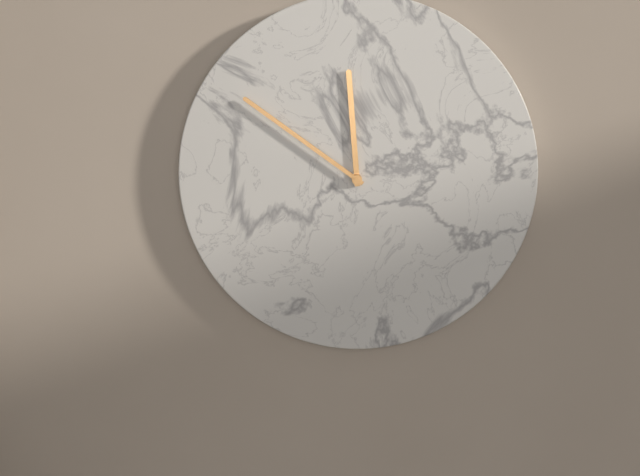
11.51
